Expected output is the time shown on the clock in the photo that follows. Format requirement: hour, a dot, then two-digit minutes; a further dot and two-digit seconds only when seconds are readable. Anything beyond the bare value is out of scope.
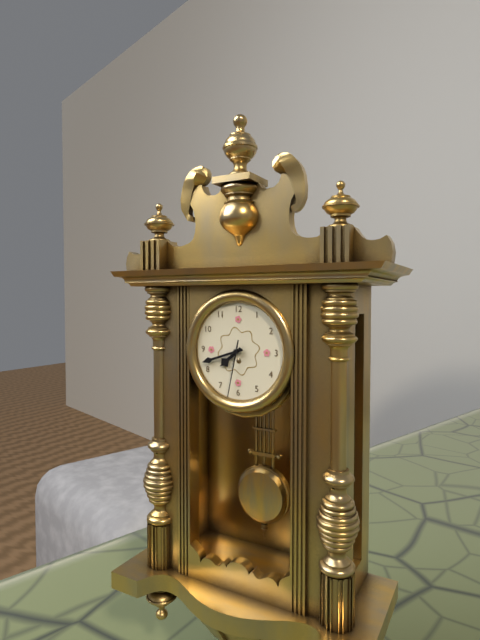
7.42.32
